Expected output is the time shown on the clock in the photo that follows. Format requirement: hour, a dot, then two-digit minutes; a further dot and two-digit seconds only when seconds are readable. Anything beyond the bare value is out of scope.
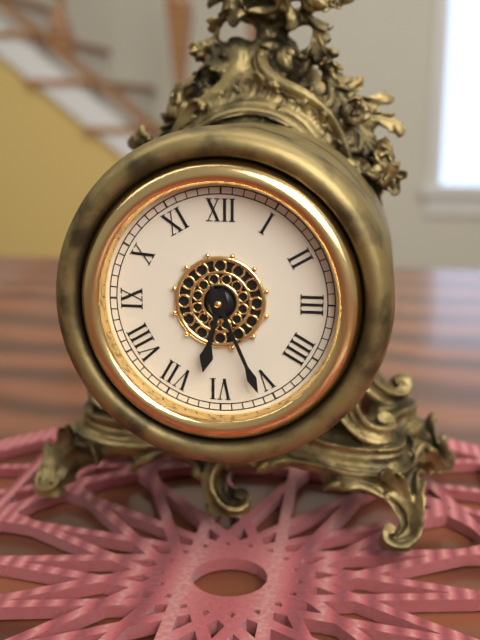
6.26
